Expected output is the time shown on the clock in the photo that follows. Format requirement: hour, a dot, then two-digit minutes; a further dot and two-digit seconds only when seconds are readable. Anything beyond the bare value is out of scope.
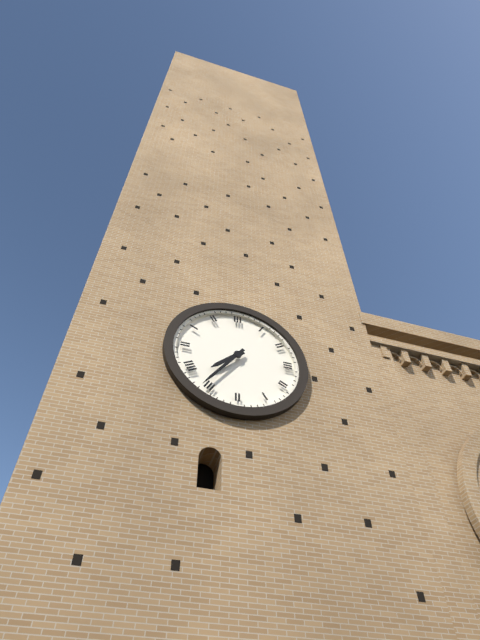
7.36
